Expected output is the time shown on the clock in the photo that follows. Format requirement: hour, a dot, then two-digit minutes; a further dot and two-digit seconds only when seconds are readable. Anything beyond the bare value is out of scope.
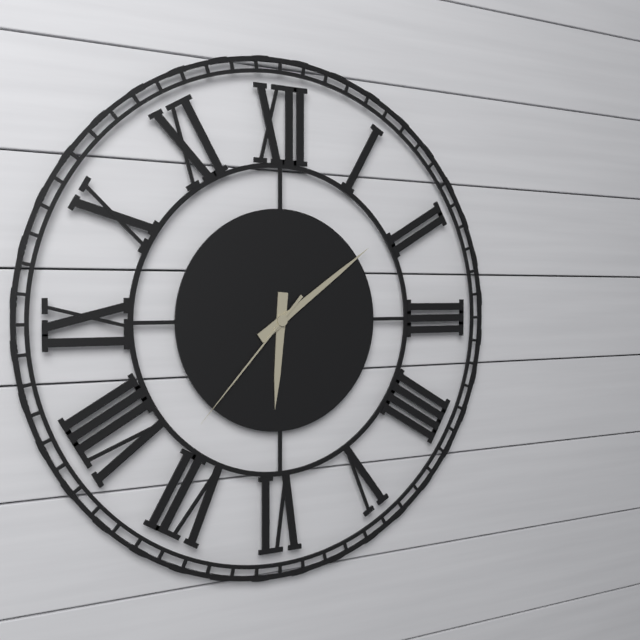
6.09.37
